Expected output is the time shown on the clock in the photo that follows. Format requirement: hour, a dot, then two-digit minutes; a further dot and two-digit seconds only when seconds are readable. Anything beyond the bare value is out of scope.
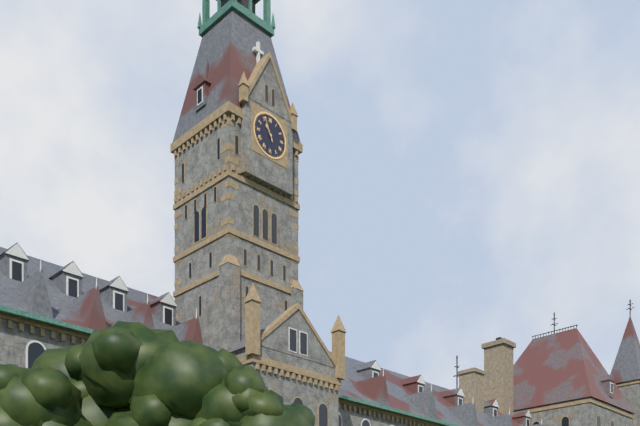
10.56
